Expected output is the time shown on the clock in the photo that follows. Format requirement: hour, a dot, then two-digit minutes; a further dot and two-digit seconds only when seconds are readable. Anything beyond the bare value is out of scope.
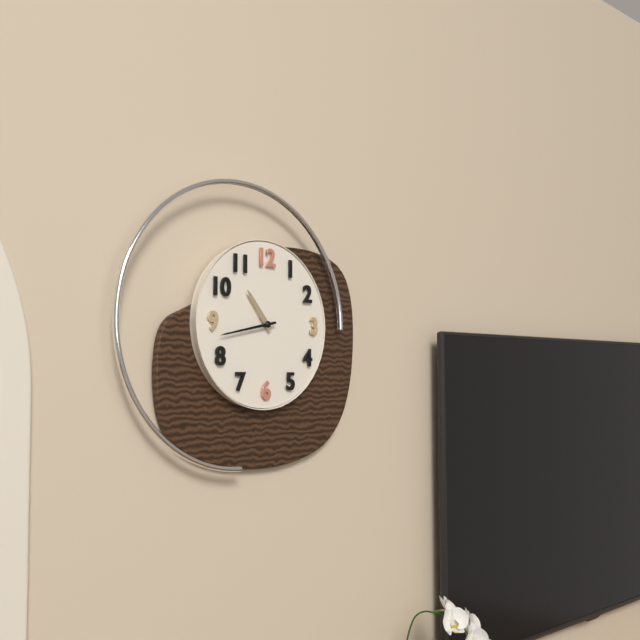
10.43
